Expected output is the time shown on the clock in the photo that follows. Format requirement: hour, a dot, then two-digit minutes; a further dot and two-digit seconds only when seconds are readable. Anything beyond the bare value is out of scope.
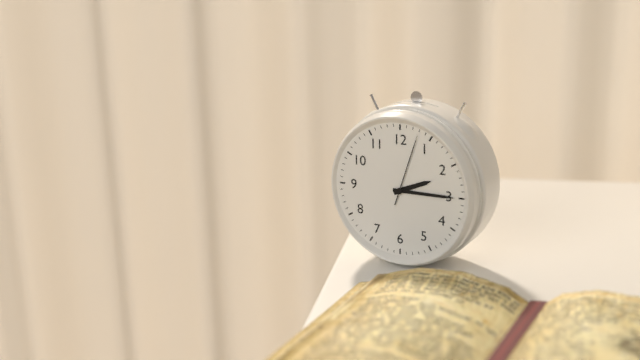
2.15.03
